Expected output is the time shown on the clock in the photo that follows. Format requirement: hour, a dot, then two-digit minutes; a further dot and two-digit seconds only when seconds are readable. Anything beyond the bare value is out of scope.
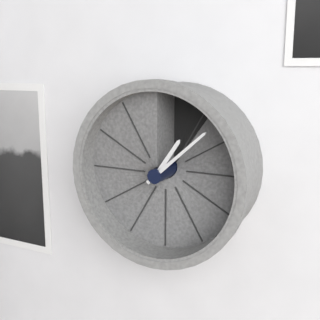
1.08
